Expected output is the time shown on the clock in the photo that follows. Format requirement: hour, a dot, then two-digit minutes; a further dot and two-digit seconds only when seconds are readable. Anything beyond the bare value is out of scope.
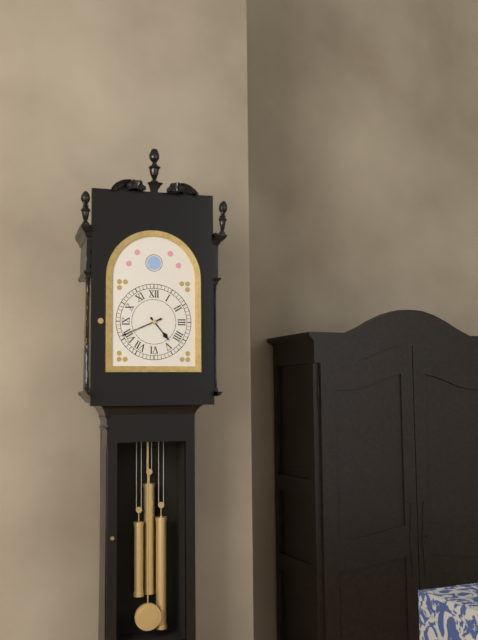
4.41
